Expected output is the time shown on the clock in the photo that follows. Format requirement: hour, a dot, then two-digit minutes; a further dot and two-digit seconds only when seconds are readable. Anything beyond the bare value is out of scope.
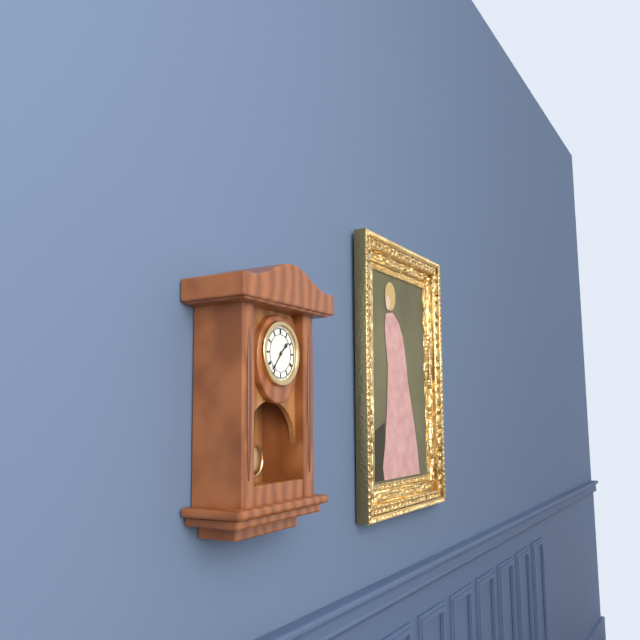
1.37
